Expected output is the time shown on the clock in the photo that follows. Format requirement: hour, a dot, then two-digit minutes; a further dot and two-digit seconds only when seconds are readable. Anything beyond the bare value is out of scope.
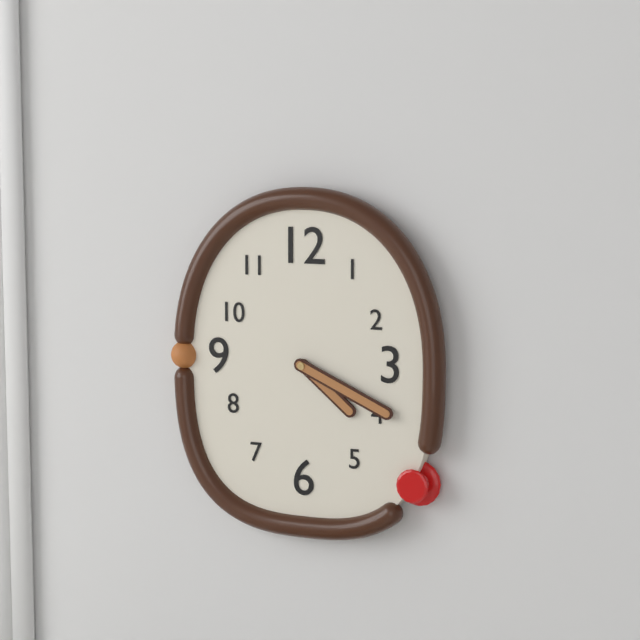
4.19
